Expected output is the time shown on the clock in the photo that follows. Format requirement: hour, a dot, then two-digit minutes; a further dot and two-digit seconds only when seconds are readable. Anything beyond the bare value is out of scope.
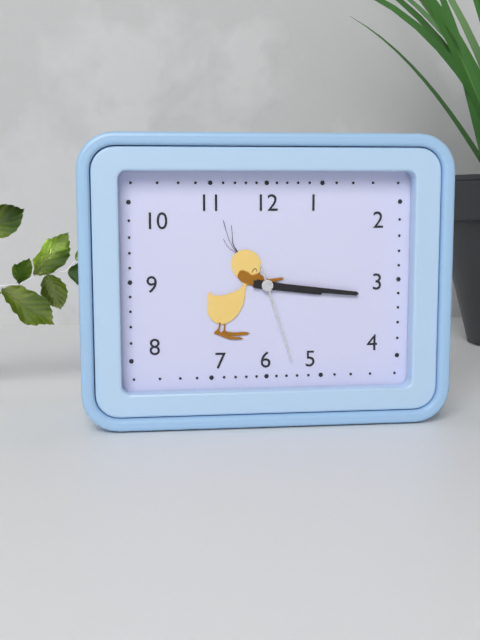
3.16.27
